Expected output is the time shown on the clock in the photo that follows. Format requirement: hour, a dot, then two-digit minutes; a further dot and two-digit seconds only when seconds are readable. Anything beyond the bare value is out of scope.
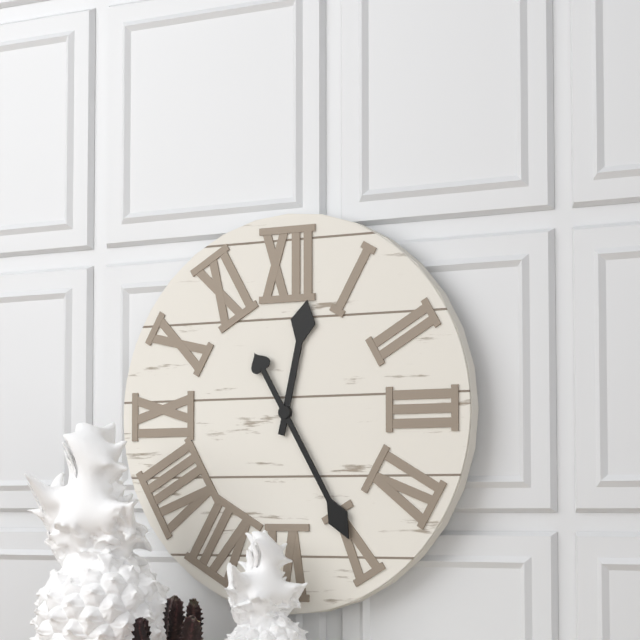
12.25
